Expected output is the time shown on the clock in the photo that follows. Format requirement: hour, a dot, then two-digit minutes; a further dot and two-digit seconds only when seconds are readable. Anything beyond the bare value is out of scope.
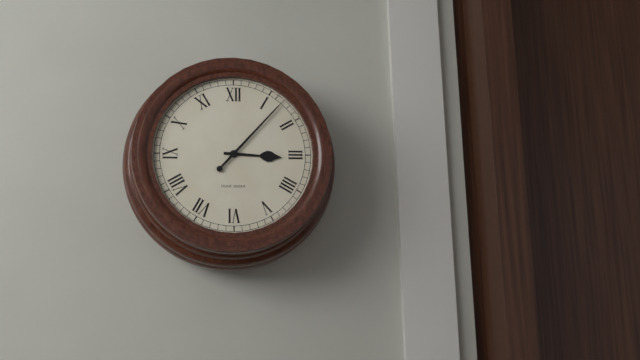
3.07
